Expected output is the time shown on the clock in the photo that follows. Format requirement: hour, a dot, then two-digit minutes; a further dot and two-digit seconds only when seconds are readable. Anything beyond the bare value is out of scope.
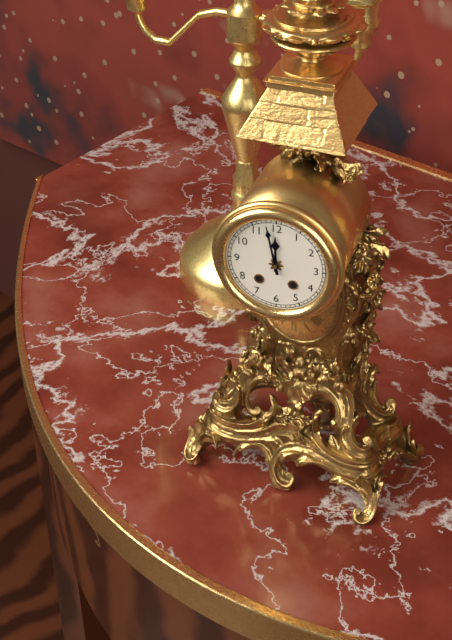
11.58
